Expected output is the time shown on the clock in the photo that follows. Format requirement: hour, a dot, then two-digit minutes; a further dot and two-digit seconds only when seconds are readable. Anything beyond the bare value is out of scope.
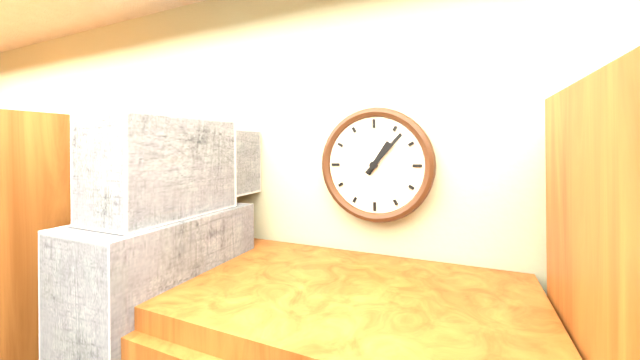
1.07
